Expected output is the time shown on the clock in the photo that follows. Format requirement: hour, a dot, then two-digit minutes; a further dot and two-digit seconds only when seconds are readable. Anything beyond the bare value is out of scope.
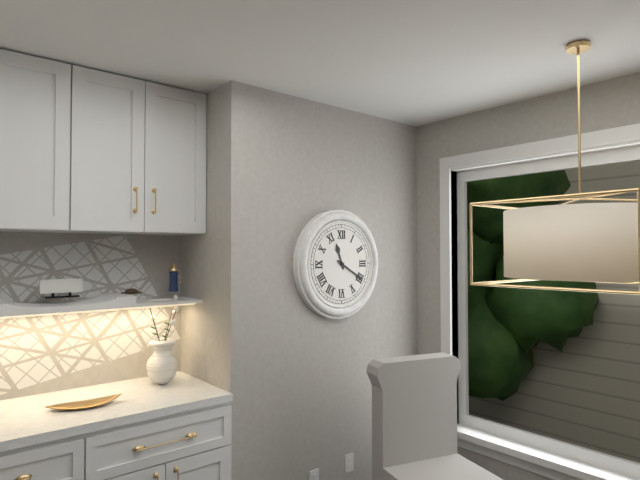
11.20
